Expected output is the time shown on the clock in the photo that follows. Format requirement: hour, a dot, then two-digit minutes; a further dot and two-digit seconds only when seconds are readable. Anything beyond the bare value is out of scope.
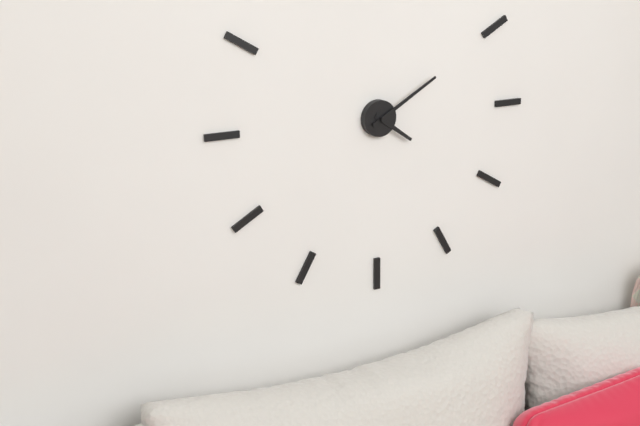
4.10
